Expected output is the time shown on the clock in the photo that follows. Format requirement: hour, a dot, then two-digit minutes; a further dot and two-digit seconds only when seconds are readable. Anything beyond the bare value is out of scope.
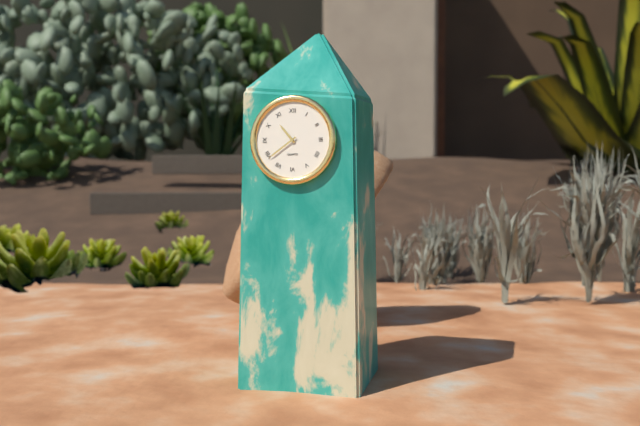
10.39
